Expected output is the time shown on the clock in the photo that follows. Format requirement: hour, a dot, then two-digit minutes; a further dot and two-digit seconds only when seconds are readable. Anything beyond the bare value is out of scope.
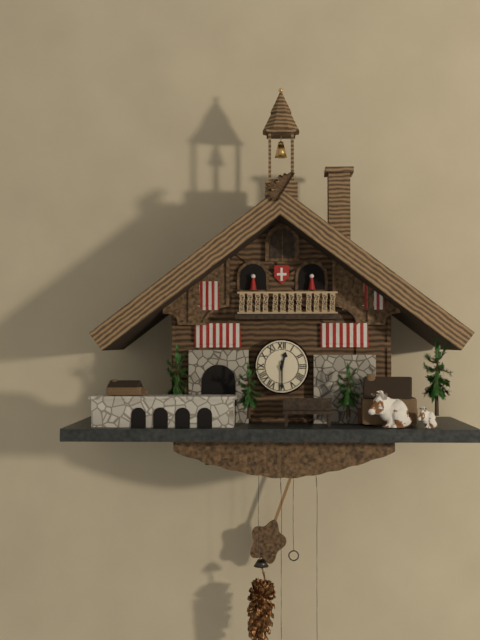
12.30
